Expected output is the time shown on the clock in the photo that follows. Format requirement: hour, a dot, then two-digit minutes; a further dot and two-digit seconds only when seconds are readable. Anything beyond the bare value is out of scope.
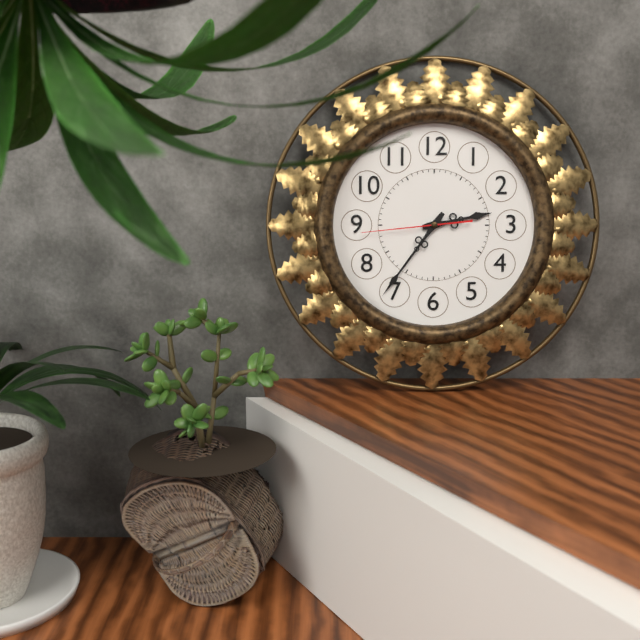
2.36.44
